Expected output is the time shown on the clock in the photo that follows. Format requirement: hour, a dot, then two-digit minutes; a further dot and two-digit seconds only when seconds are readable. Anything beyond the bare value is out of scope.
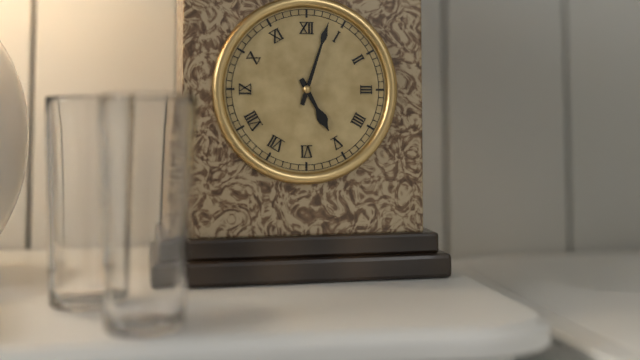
5.03
